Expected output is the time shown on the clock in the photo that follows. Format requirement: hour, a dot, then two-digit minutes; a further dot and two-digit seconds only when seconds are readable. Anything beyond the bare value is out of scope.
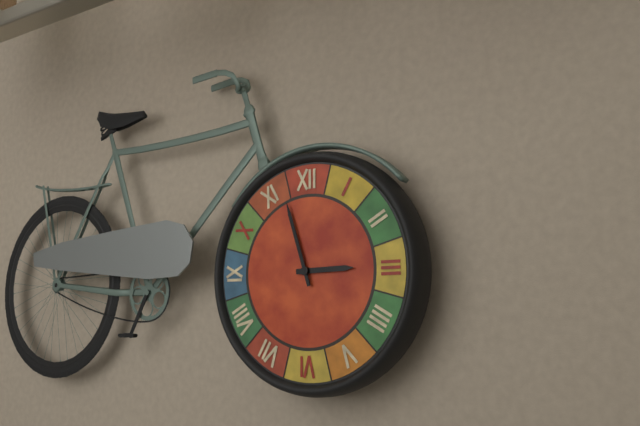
2.57
